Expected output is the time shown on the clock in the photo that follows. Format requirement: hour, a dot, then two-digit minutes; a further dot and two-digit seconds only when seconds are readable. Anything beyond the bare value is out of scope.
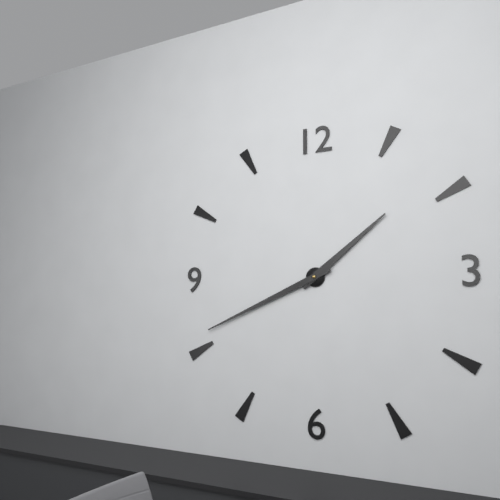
1.41
